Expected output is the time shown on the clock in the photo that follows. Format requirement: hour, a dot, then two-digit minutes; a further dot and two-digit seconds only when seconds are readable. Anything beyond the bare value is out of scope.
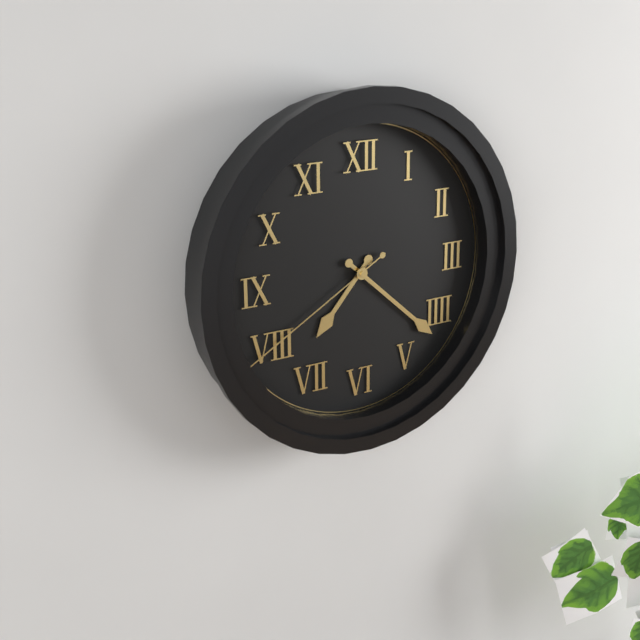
7.22.40
